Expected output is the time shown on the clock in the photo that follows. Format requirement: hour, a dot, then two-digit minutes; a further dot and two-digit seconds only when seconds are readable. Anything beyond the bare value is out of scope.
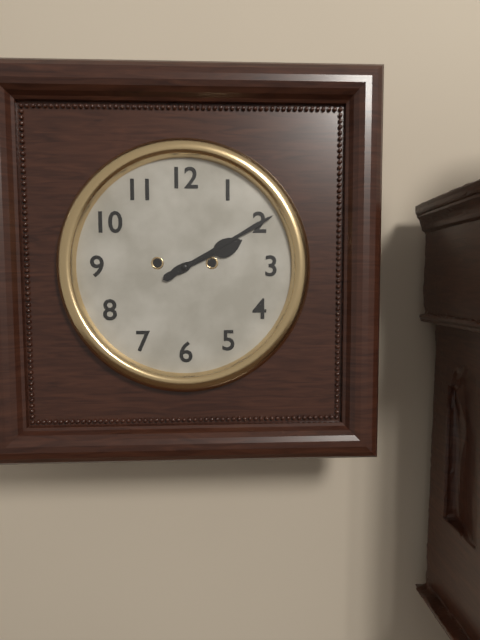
2.10
